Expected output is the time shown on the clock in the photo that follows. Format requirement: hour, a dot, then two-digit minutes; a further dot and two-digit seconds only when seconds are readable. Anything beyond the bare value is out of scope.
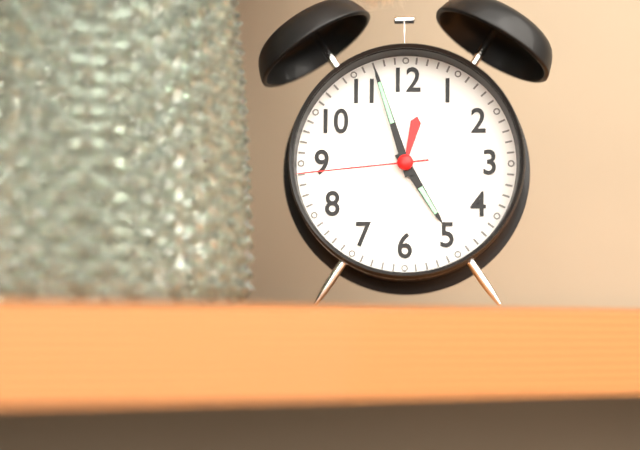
4.57.44
